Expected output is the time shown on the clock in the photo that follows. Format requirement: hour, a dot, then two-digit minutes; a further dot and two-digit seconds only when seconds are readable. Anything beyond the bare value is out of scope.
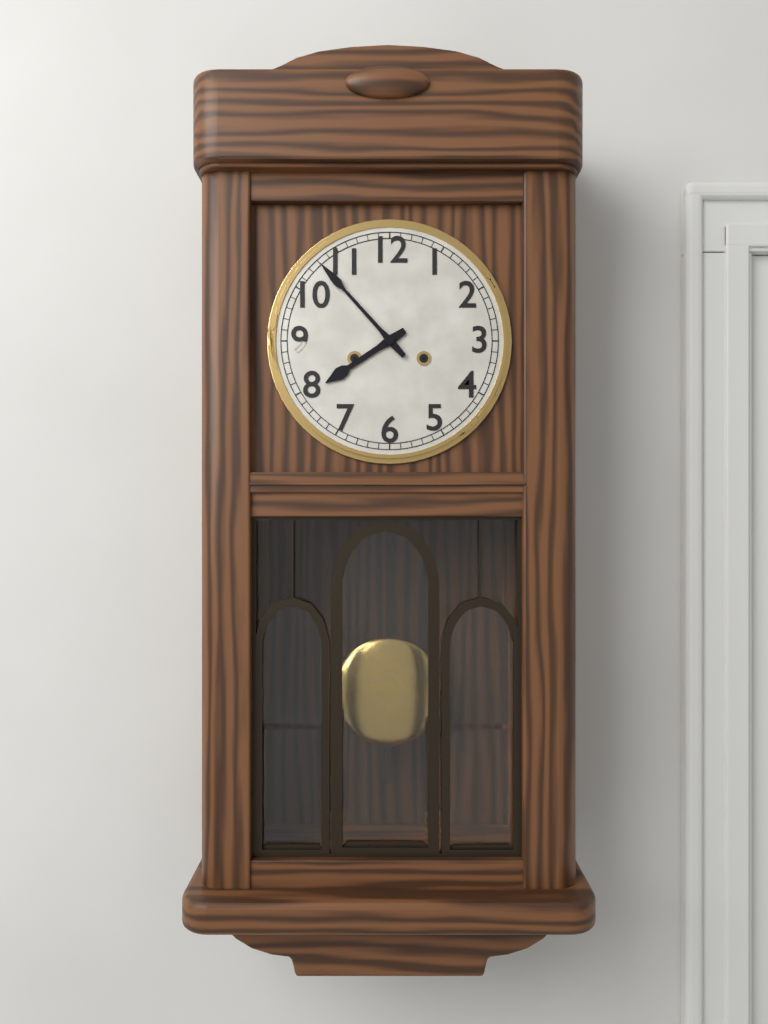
7.53
